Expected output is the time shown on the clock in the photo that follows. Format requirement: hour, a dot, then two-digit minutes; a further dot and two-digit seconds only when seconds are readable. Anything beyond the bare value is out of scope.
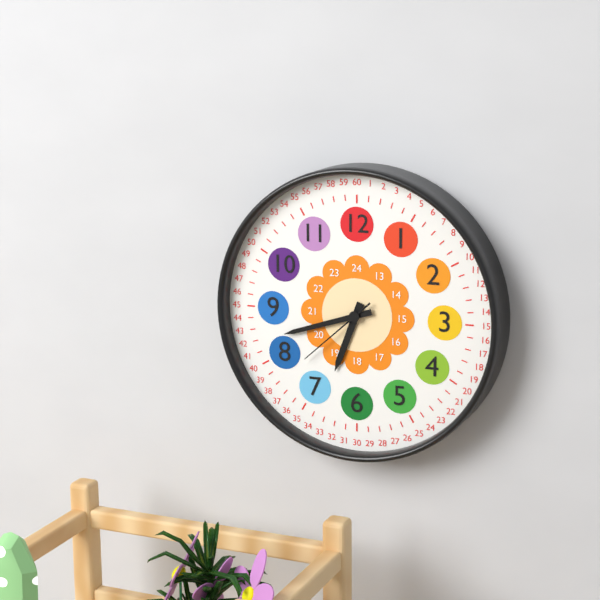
6.42.38
